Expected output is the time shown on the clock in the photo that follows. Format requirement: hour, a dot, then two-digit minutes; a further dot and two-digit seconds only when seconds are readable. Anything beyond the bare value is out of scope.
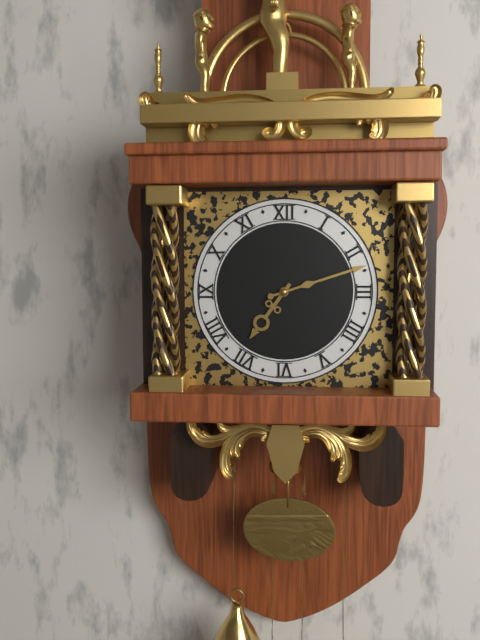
7.12
